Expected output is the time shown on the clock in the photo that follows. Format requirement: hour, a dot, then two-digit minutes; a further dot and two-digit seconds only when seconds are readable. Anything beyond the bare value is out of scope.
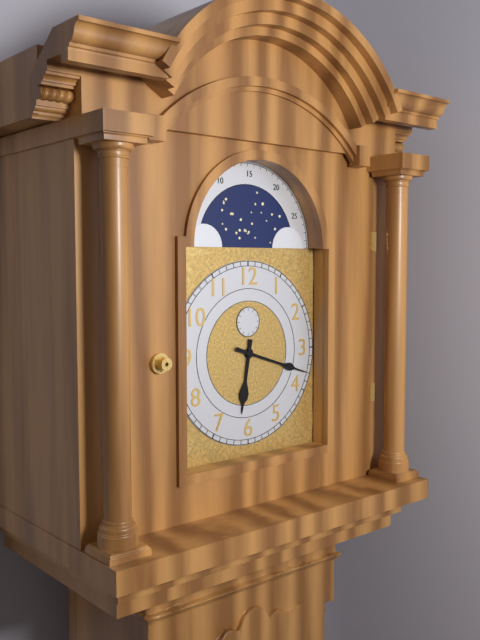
6.18
